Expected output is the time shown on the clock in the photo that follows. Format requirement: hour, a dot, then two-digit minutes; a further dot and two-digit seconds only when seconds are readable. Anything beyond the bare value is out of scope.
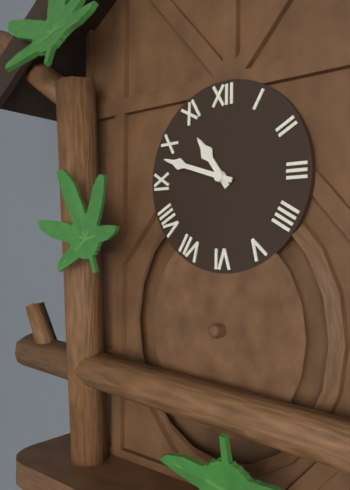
10.48
